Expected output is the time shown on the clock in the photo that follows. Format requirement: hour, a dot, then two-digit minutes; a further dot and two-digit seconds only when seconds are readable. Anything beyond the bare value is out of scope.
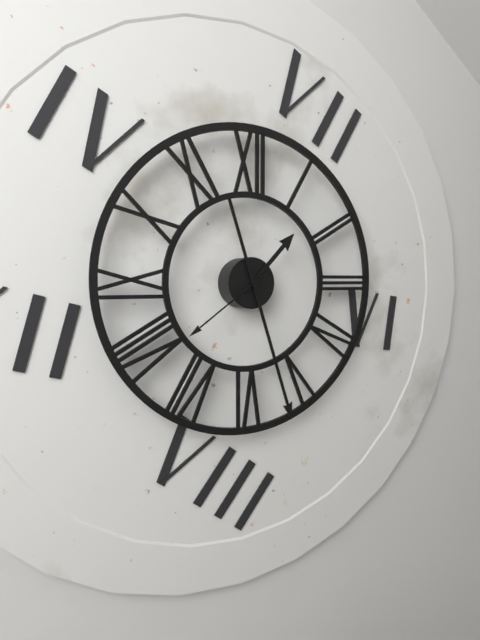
1.27.39
